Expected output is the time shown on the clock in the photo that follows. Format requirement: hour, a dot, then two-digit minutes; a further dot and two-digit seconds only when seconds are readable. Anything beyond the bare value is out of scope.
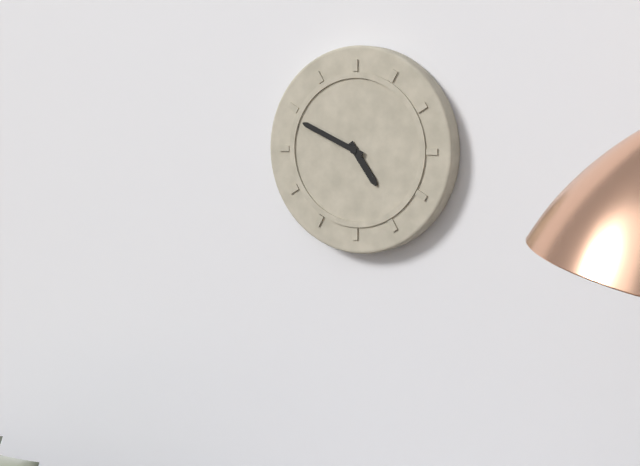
4.49
